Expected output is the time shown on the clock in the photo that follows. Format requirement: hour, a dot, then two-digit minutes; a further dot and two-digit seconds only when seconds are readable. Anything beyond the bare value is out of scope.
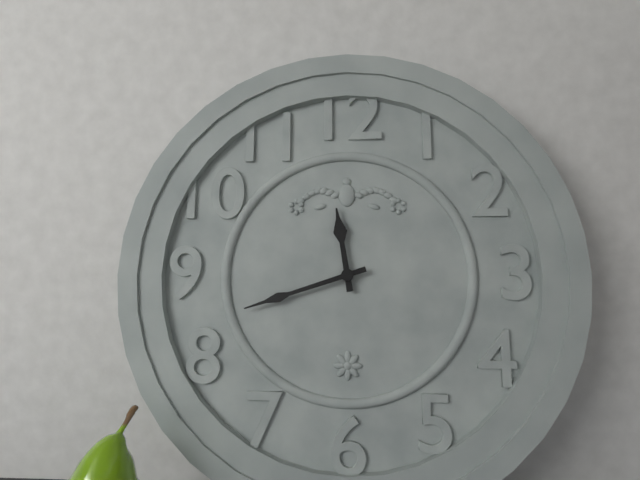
11.42
